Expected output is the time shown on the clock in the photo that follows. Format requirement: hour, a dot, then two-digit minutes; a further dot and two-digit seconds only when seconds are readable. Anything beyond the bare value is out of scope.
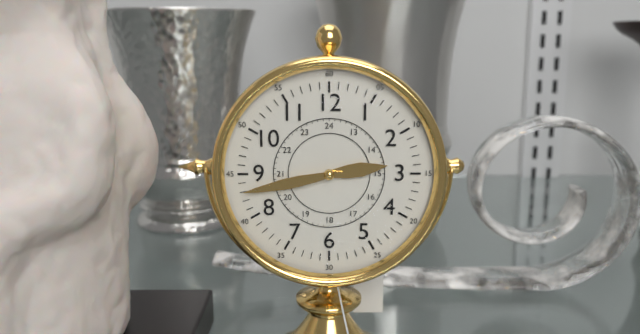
2.43
